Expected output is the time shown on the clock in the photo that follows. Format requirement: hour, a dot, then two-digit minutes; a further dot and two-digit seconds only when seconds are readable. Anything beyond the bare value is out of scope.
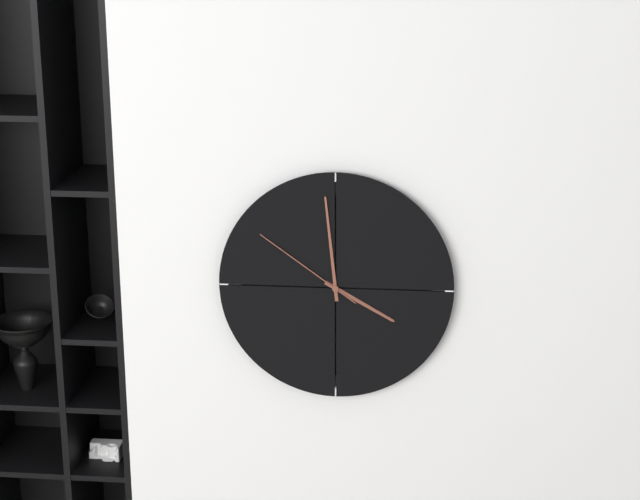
3.59.51
